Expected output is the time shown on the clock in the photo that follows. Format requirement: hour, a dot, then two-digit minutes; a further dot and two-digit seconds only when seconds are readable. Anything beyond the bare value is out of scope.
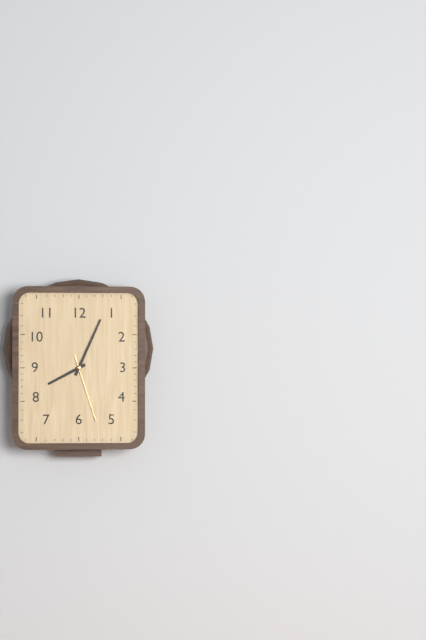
8.04.27
